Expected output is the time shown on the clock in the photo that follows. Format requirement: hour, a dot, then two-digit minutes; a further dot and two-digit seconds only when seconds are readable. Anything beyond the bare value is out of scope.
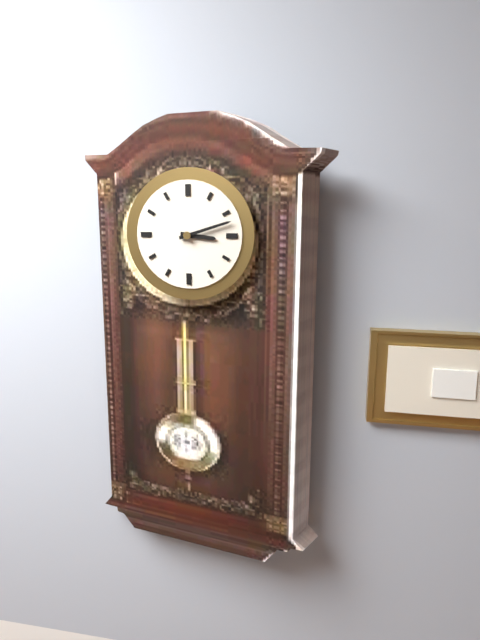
3.12
